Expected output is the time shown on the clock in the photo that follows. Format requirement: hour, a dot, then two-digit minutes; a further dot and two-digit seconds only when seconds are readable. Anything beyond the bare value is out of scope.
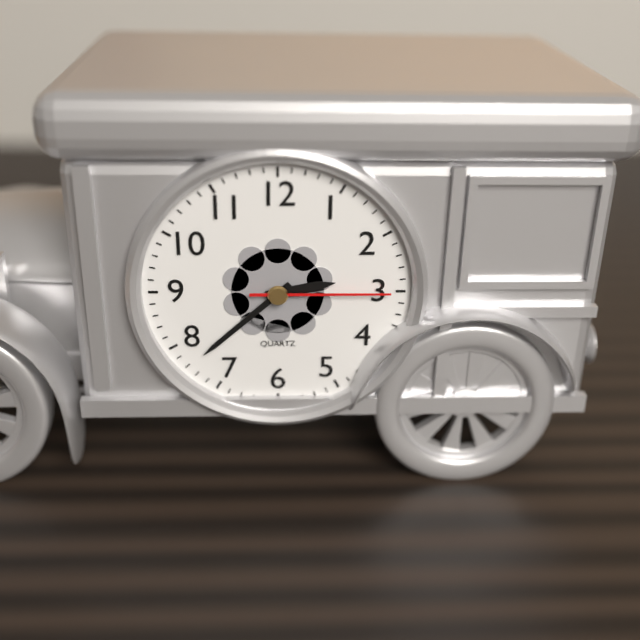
2.38.15
